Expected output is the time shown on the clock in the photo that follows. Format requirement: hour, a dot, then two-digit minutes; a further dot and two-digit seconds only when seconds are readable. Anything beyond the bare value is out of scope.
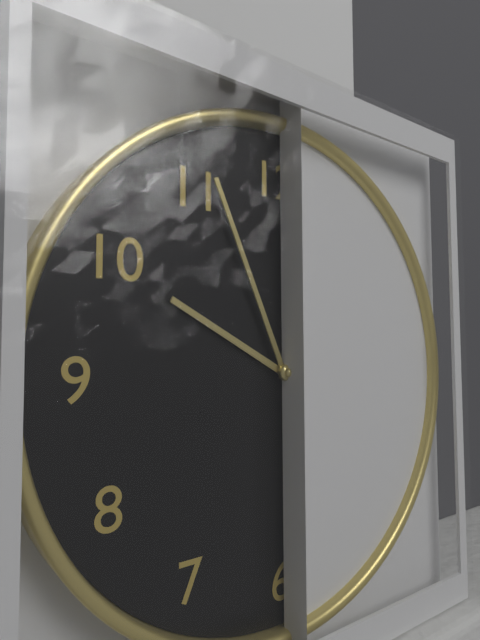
9.56
